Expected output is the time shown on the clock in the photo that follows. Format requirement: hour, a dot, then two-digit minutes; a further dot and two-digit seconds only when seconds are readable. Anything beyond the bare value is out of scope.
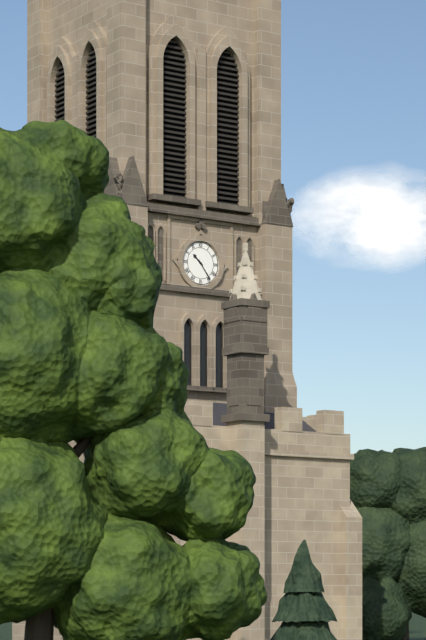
10.24
